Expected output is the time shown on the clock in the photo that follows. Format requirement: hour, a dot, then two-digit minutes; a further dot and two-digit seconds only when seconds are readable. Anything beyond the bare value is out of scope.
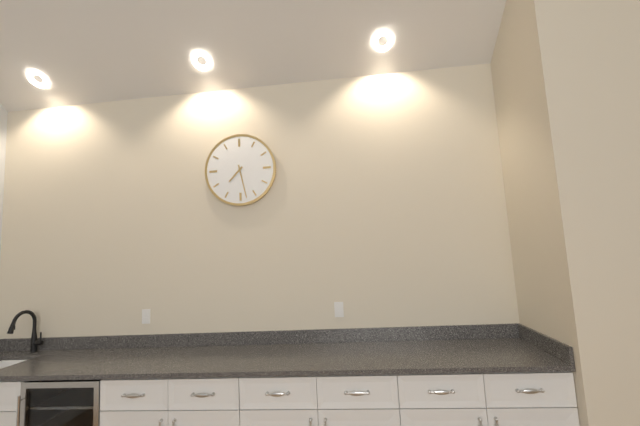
7.28
